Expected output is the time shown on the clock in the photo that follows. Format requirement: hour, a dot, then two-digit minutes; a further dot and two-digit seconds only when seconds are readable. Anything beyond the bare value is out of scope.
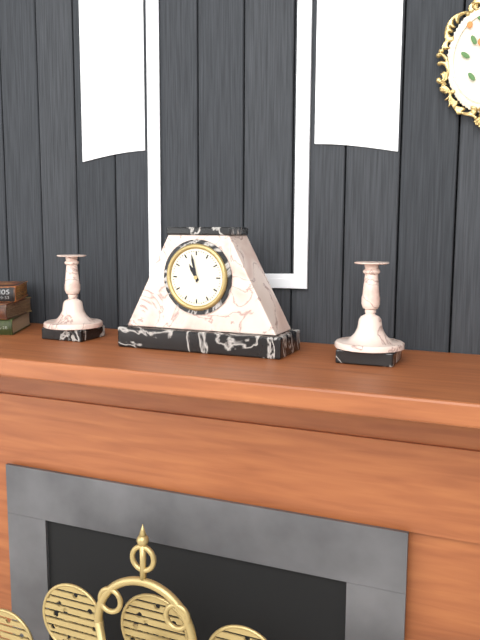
10.58
